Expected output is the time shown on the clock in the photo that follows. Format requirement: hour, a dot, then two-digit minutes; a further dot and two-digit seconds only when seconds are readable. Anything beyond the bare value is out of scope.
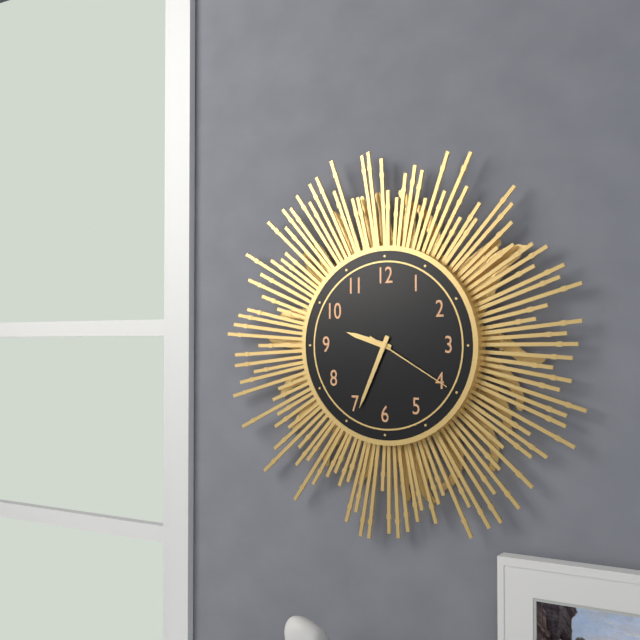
9.34.20
